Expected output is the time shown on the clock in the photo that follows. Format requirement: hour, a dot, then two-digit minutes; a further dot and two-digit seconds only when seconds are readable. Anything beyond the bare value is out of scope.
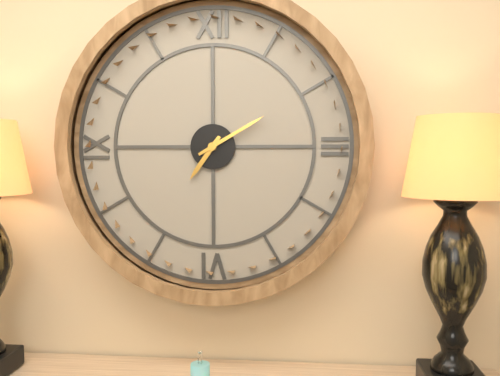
7.10
